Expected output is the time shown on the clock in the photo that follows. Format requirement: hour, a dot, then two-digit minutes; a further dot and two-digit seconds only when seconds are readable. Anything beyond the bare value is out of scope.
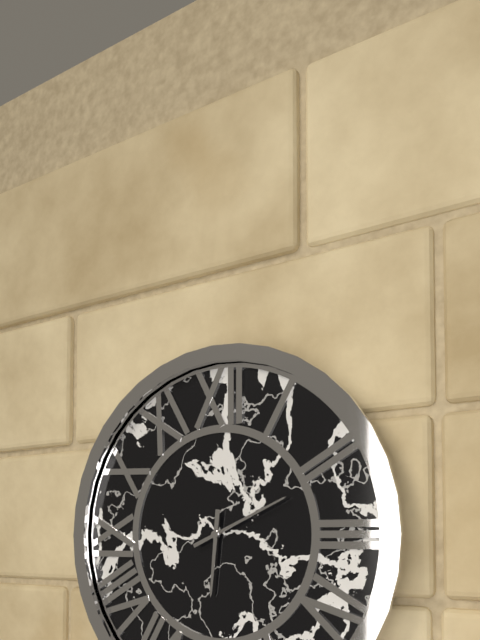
6.11
